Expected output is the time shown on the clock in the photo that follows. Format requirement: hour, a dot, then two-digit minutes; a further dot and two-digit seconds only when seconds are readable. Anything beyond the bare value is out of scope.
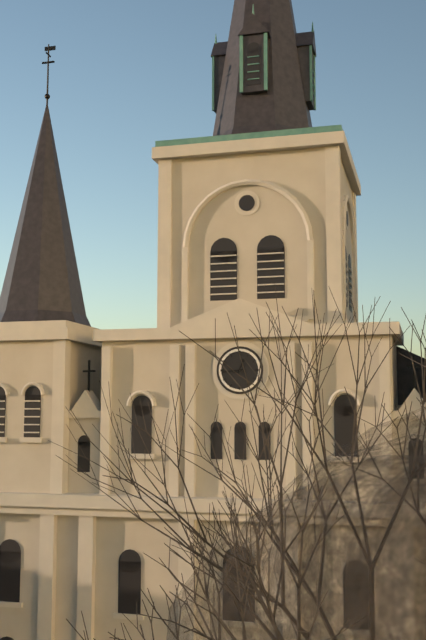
12.44
